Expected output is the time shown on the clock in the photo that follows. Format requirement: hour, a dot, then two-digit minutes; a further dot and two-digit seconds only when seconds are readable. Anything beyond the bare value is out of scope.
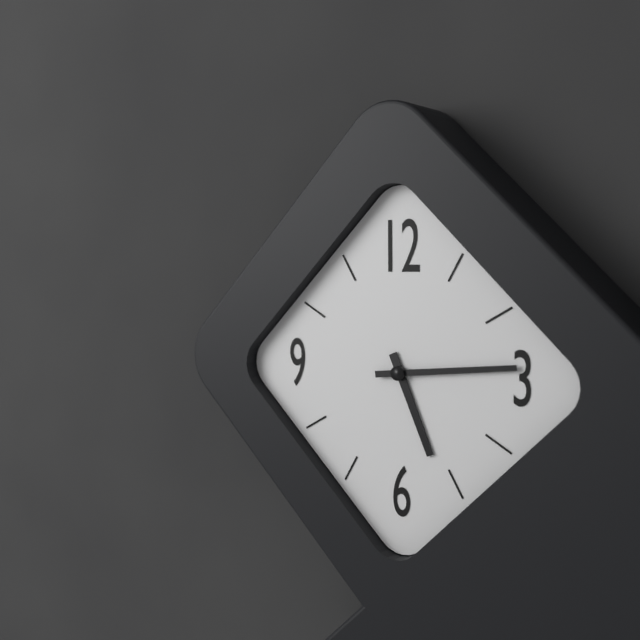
5.14
